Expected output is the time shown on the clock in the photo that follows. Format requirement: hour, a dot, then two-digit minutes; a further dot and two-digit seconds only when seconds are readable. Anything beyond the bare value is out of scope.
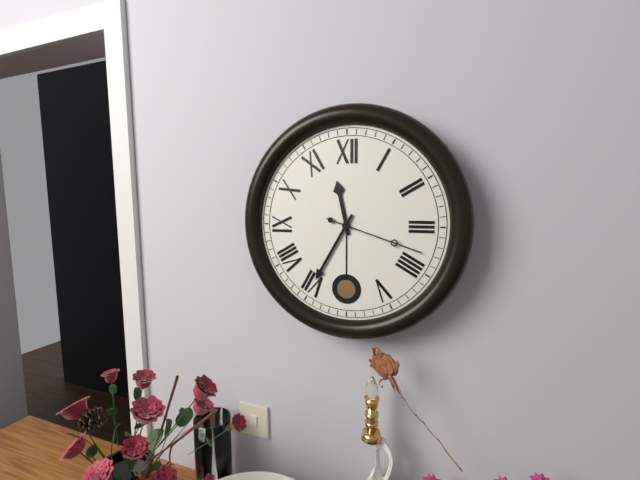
11.35.18
